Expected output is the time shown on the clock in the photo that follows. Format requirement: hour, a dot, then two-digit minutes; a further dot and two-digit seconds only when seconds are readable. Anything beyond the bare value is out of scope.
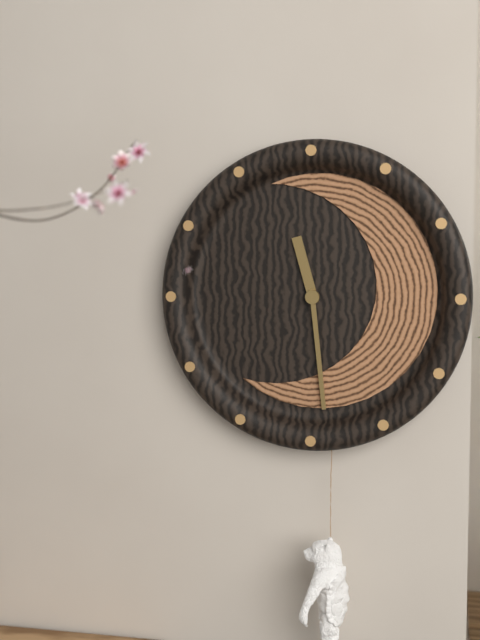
11.29
